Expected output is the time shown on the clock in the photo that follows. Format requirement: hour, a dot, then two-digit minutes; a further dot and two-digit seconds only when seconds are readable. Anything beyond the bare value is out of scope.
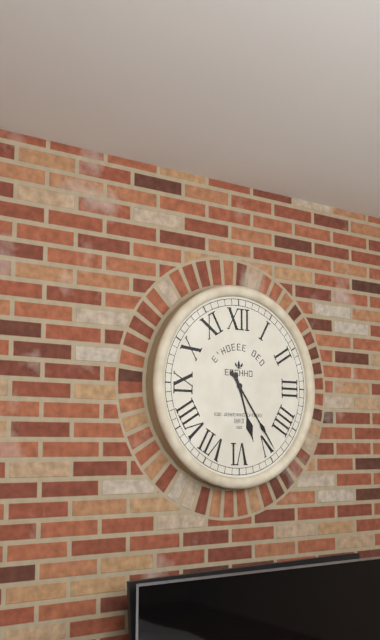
5.24
